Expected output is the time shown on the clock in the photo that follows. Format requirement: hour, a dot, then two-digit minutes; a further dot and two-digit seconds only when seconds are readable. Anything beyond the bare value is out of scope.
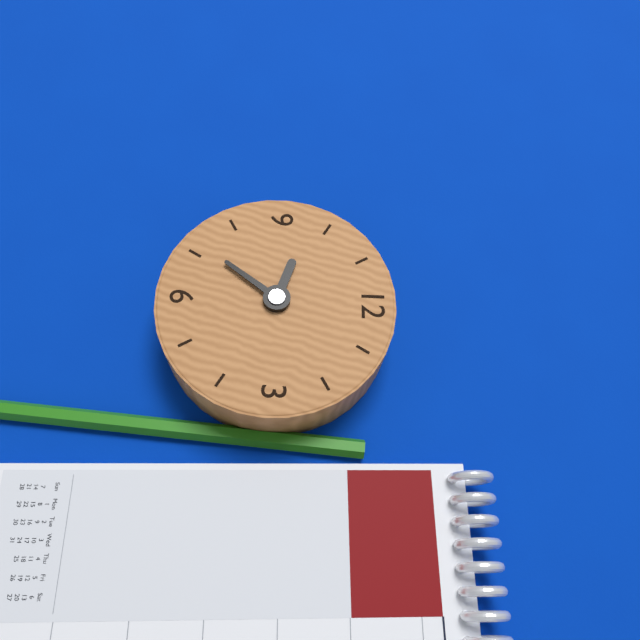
9.36
